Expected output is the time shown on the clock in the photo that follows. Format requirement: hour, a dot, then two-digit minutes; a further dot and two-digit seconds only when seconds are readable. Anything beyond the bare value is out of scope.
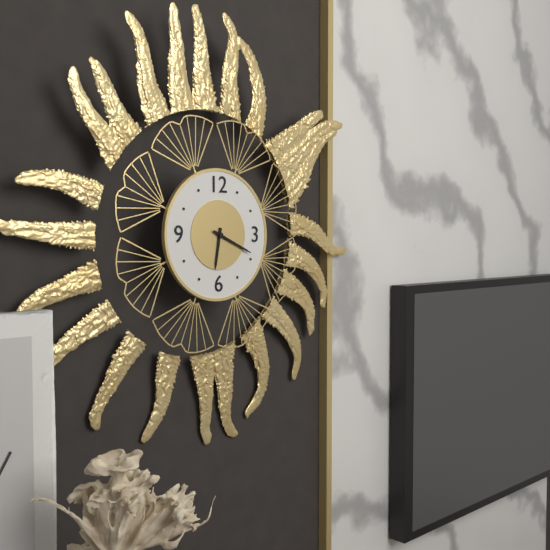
6.19
